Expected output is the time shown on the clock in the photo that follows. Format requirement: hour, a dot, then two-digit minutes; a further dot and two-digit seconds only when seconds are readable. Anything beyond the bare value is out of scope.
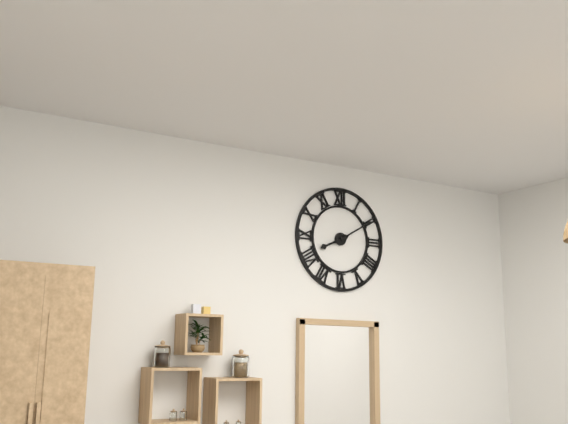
8.10
